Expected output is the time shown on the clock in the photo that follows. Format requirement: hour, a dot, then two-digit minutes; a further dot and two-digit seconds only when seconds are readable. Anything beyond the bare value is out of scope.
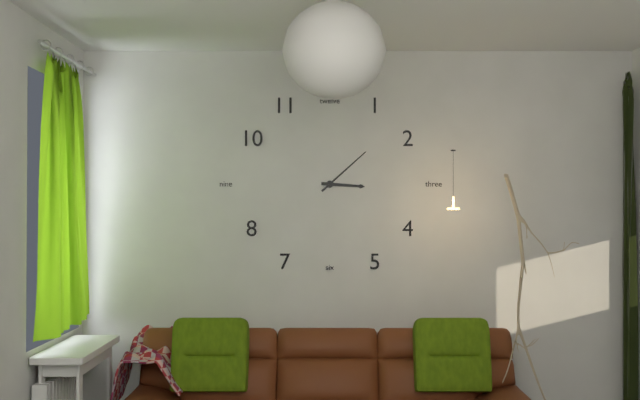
3.08
